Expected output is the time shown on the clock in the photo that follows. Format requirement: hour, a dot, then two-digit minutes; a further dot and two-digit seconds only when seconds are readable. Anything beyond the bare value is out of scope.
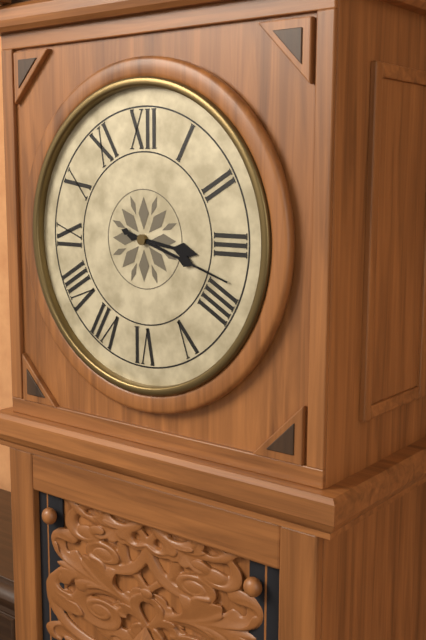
3.18
